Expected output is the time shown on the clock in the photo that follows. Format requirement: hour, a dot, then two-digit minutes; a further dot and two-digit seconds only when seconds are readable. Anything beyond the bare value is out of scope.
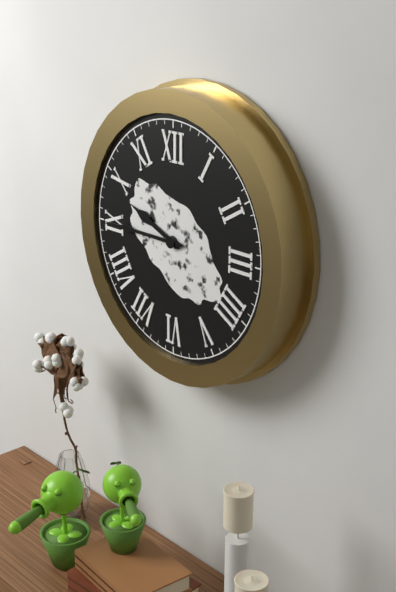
9.45
